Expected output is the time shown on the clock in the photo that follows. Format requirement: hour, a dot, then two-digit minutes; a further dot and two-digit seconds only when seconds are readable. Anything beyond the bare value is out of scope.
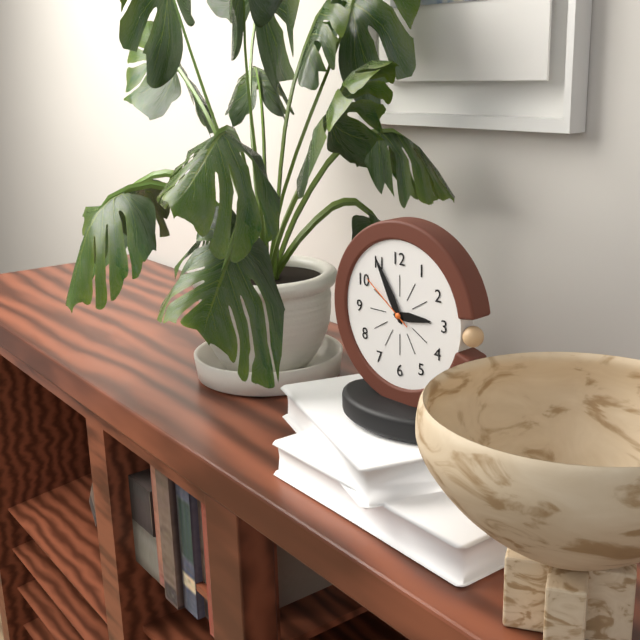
2.55.51
